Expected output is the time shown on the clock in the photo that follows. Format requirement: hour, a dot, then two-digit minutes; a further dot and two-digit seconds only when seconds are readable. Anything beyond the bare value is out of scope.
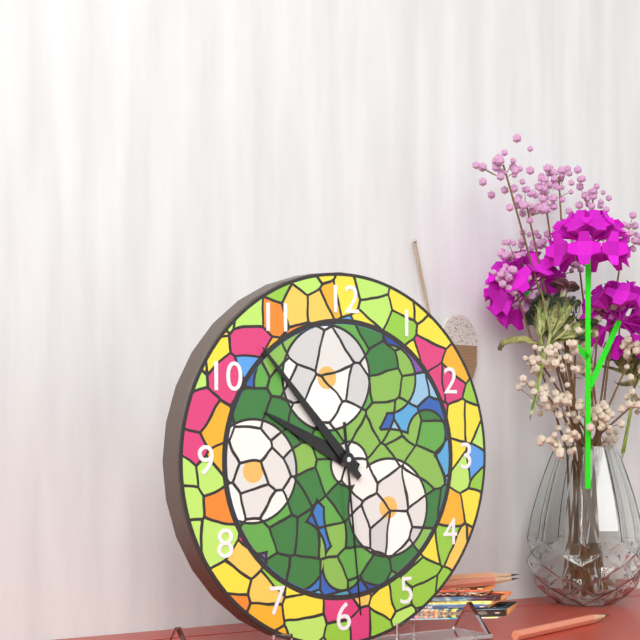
9.53.29
